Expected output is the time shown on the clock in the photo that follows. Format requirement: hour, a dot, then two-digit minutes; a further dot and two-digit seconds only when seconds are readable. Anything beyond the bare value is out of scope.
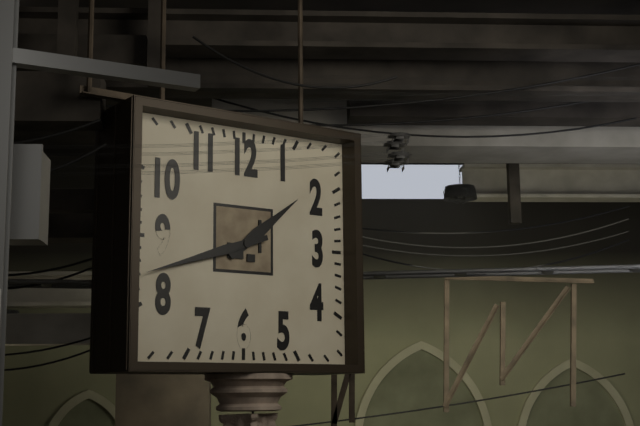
1.42
